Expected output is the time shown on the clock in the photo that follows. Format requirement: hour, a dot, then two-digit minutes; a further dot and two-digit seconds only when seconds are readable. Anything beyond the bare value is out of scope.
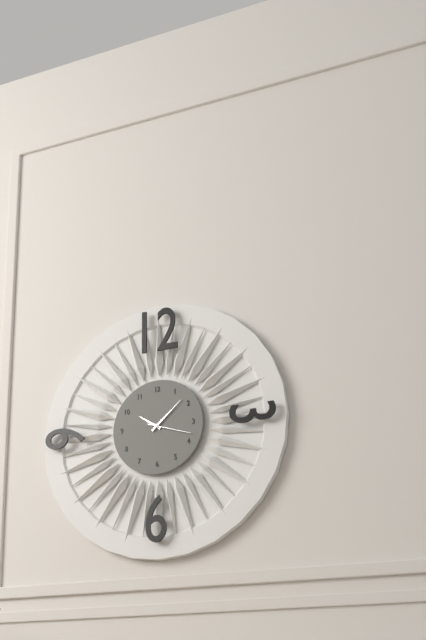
10.08
